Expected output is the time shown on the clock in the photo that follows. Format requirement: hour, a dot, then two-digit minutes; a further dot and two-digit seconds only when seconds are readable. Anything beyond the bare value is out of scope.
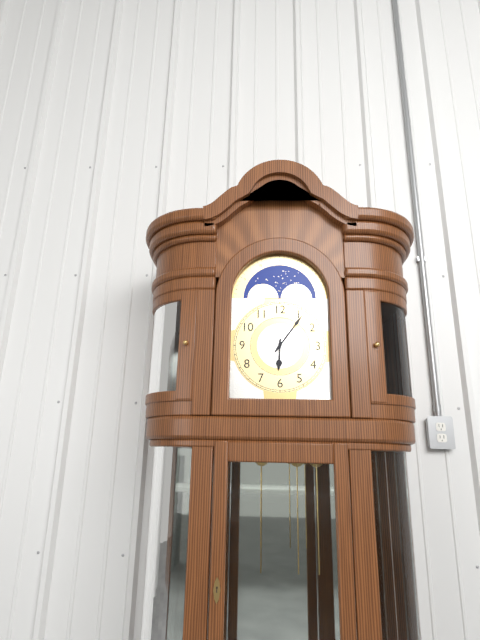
6.06
